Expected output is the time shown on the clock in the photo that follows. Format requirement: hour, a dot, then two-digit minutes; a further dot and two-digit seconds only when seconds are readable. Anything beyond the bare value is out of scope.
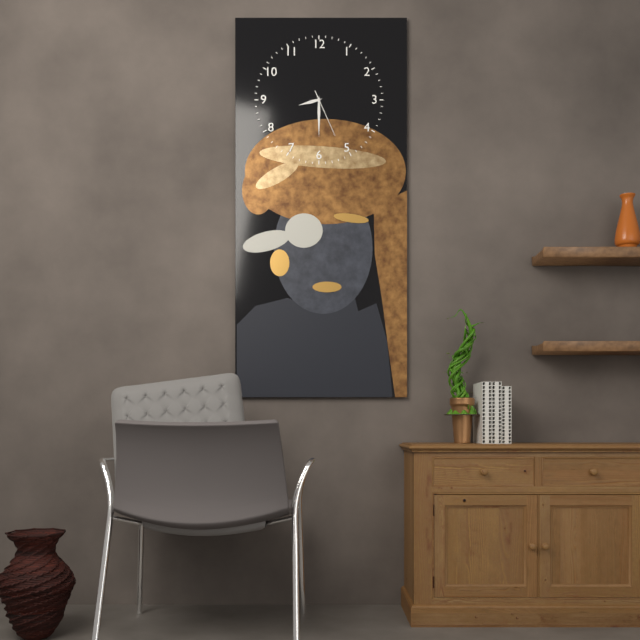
8.30
